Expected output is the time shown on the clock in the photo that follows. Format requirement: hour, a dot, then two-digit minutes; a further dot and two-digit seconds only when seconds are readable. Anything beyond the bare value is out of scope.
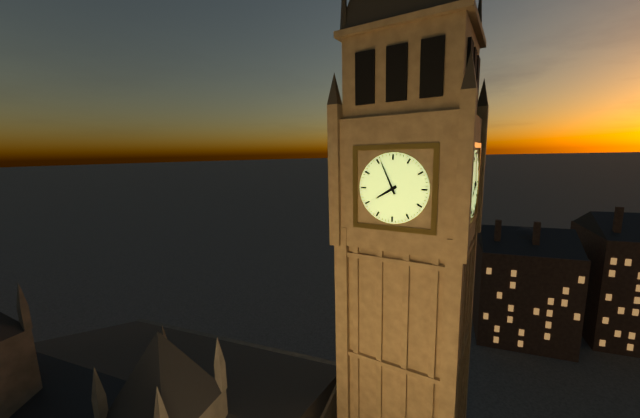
7.56
